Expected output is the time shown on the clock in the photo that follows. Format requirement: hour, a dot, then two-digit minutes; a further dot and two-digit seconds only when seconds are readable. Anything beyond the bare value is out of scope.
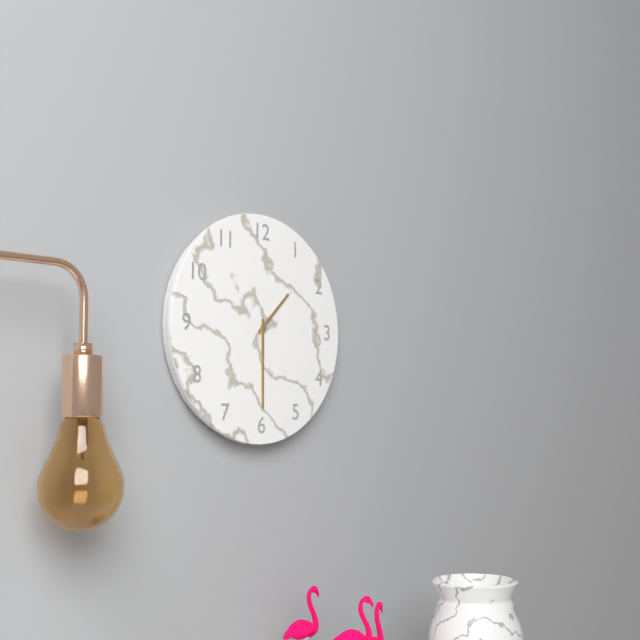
1.30
